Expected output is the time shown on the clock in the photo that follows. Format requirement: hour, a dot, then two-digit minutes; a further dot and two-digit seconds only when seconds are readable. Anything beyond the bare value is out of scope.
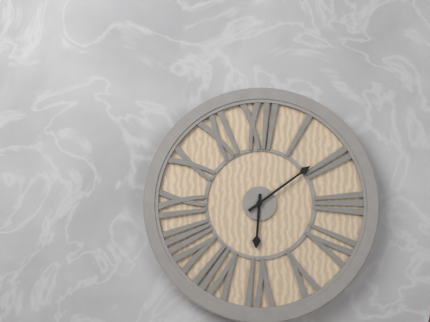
6.09
